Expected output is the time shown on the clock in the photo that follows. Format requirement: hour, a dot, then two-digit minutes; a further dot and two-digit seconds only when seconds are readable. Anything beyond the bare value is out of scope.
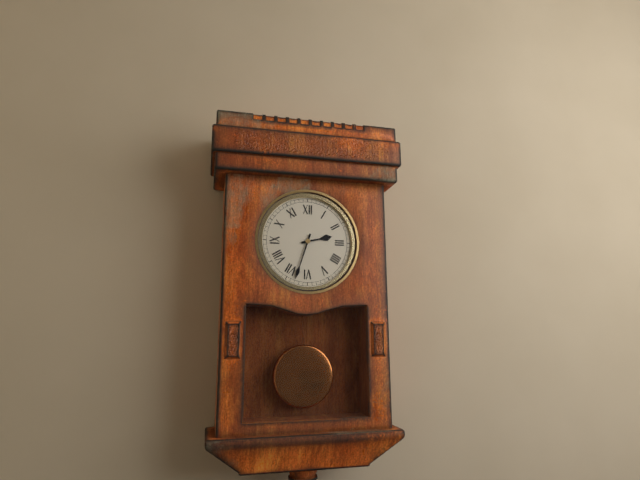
2.33
